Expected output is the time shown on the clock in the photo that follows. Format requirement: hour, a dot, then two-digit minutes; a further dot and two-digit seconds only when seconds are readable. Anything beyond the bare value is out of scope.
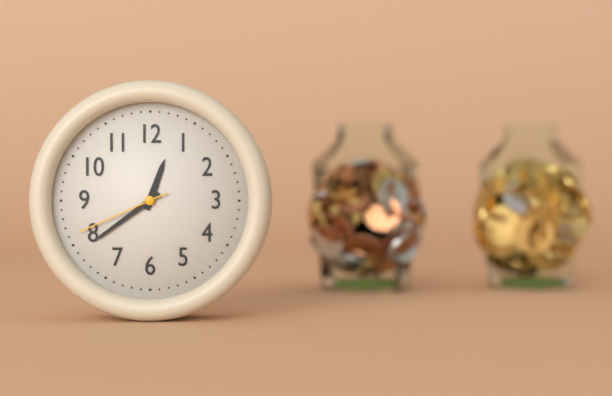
12.39.41
